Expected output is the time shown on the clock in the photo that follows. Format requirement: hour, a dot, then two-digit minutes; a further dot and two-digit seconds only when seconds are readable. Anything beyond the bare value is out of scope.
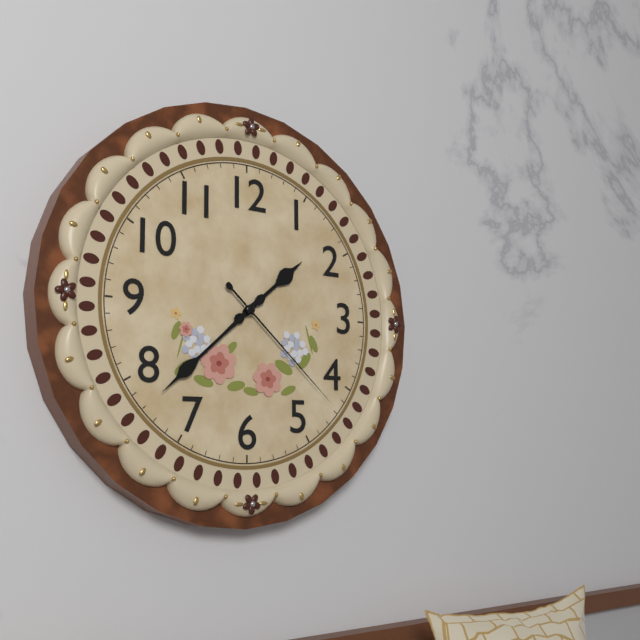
1.38.22
